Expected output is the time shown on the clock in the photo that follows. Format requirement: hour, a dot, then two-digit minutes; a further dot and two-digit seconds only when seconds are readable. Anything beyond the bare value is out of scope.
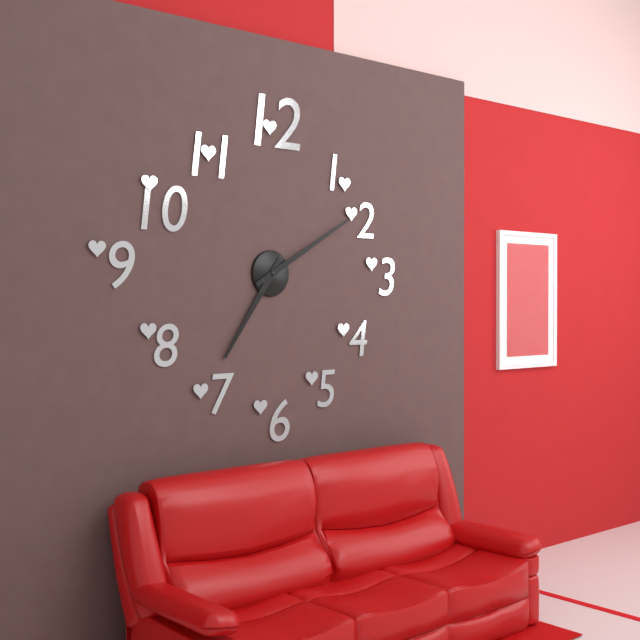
7.10
